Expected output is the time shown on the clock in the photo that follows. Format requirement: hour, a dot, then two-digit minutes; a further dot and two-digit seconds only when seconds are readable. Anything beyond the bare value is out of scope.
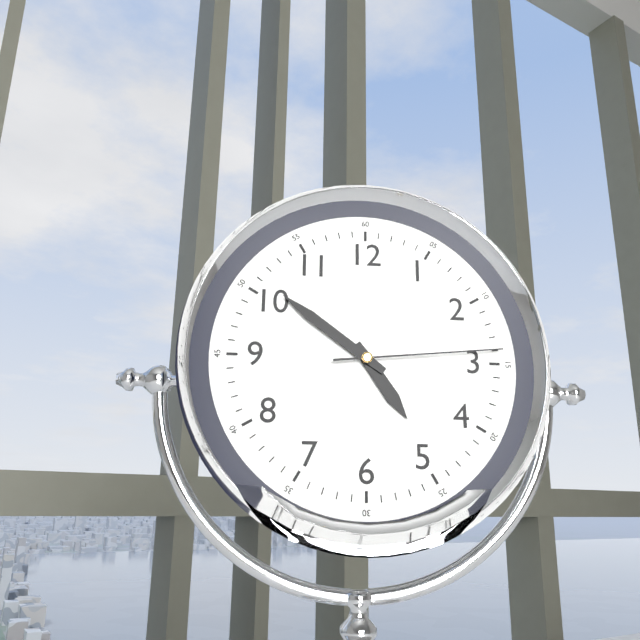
4.51.14
